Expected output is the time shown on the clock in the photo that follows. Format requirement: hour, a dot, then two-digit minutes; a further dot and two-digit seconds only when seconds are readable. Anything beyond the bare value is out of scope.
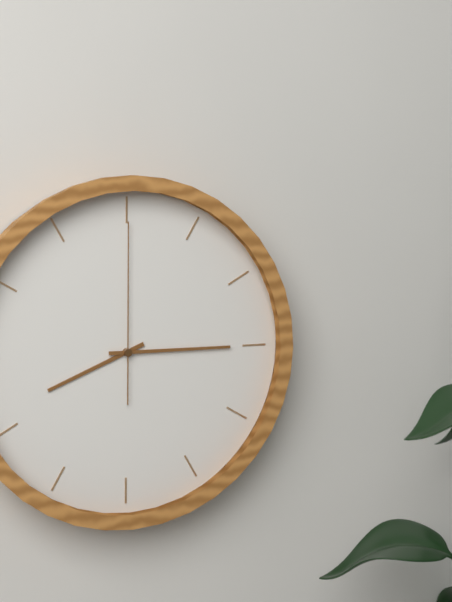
8.15.00
